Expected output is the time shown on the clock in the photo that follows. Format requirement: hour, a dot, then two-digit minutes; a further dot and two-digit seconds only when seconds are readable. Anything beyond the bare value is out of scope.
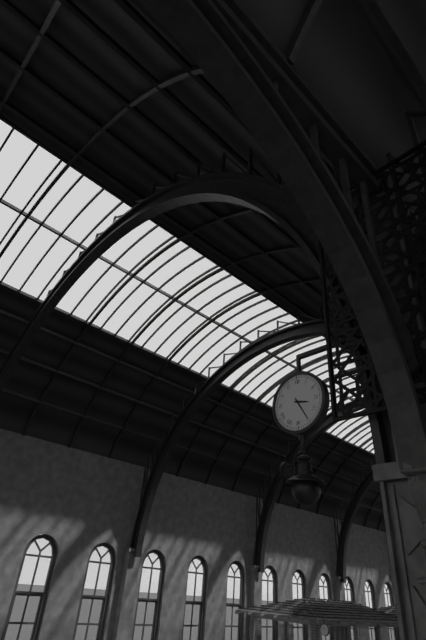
3.25
